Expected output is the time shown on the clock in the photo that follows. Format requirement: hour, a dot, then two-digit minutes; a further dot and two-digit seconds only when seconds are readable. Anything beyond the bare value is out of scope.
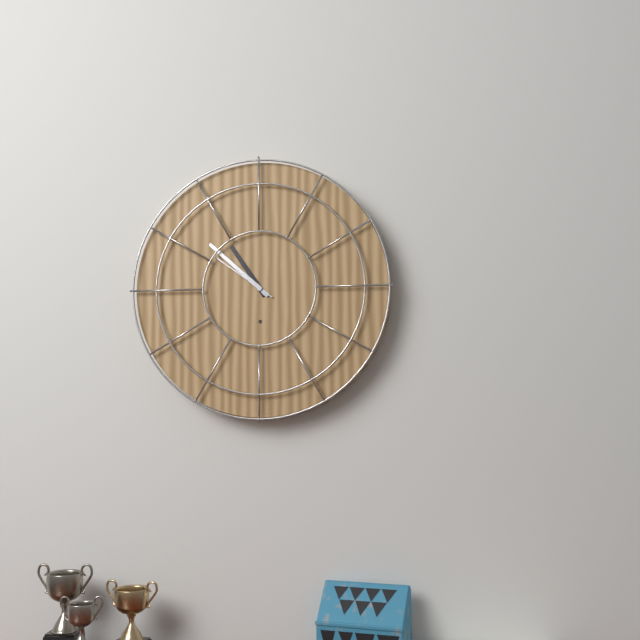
10.52.51
